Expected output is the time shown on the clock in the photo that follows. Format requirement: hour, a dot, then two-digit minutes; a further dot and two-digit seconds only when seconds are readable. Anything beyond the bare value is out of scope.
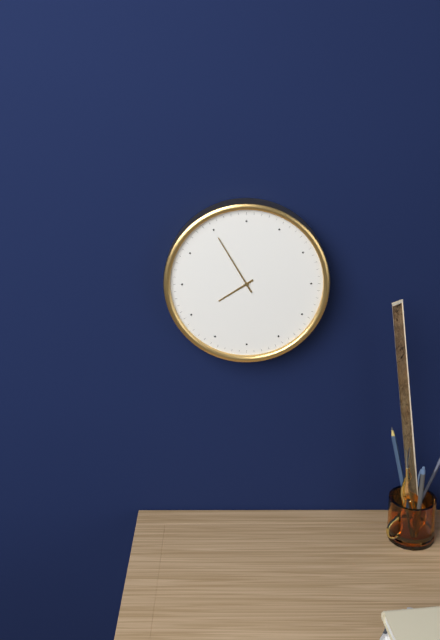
7.55
